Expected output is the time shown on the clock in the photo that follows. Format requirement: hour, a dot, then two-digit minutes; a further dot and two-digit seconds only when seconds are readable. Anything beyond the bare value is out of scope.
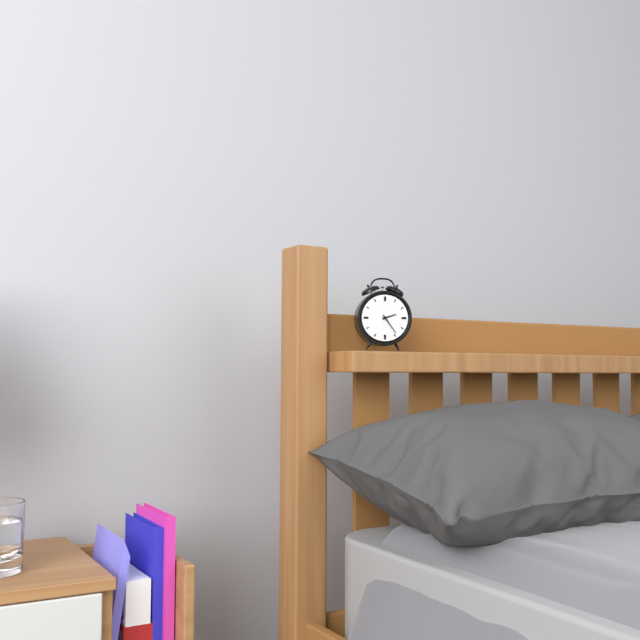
2.24
